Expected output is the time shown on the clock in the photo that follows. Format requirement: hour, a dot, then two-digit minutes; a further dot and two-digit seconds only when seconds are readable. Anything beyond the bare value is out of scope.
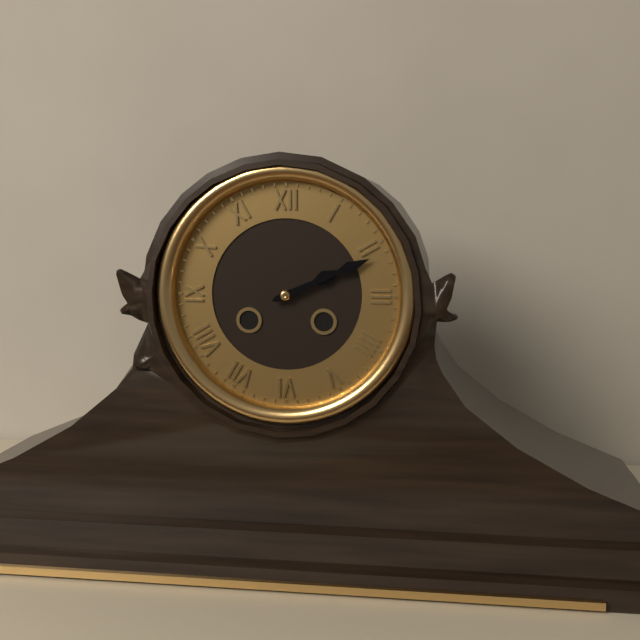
2.11
